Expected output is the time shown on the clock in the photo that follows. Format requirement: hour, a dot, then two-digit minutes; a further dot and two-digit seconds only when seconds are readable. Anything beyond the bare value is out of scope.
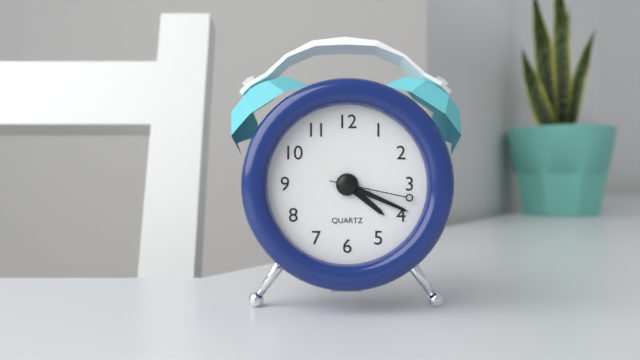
4.19.17
